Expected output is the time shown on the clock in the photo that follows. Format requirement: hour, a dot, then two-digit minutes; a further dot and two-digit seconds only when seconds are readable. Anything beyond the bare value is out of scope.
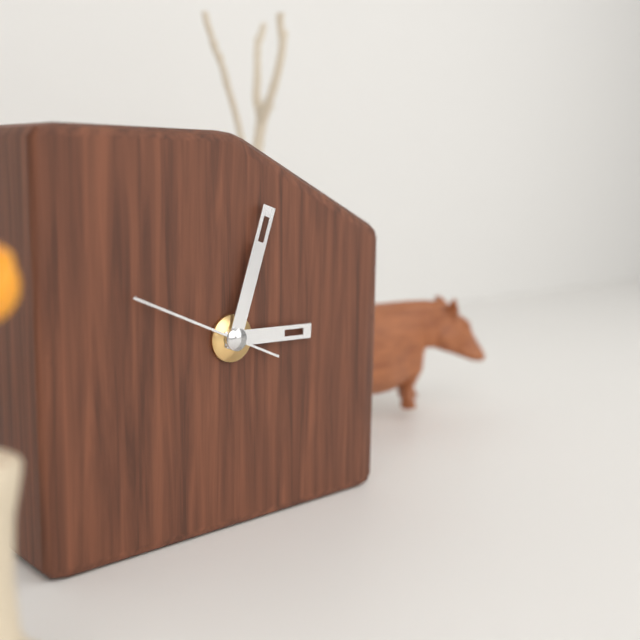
3.03.49
